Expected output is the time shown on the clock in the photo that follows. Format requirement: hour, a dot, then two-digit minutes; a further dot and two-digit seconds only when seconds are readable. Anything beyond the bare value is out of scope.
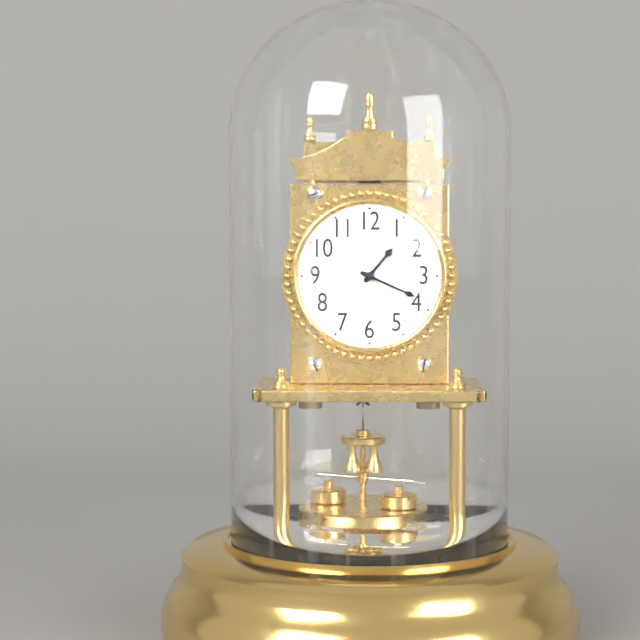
1.19
